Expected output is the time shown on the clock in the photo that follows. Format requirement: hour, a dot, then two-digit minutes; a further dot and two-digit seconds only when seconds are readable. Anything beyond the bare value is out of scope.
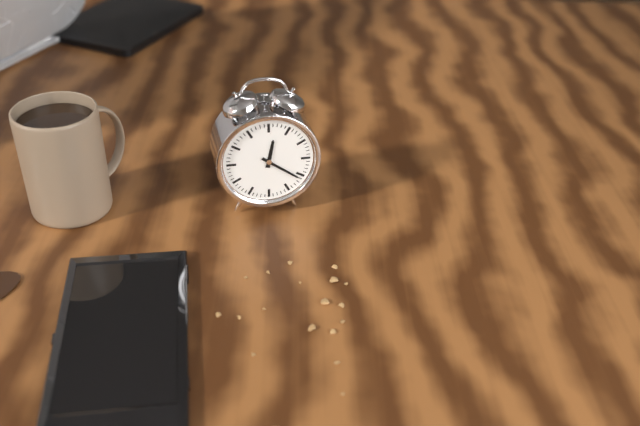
12.21
